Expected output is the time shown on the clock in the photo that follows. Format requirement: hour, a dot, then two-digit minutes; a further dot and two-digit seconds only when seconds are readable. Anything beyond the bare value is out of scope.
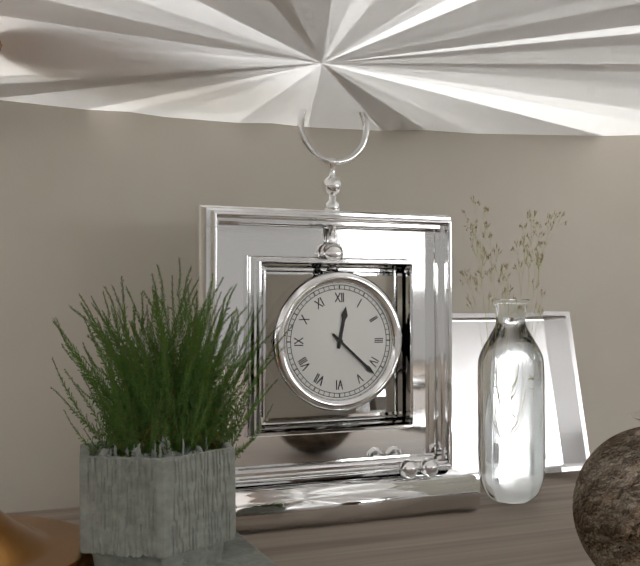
12.22
